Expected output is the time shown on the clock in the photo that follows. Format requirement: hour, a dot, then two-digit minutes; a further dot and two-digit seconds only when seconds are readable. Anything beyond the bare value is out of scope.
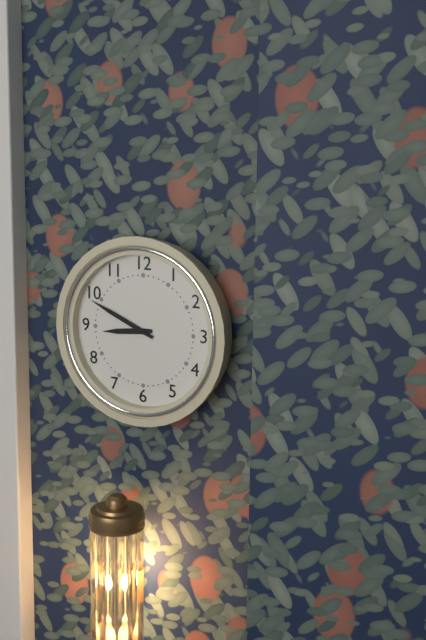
8.49
